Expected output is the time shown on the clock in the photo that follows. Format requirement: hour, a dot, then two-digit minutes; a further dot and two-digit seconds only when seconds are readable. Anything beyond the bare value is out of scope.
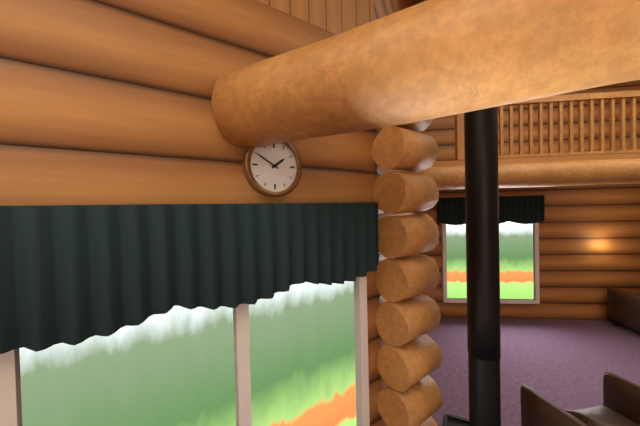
1.50
